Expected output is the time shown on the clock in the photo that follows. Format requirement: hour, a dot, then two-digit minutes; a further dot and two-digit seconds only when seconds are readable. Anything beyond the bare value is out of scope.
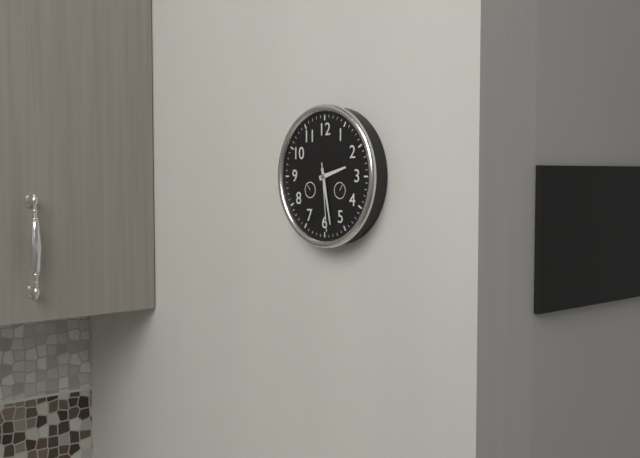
2.28.29
